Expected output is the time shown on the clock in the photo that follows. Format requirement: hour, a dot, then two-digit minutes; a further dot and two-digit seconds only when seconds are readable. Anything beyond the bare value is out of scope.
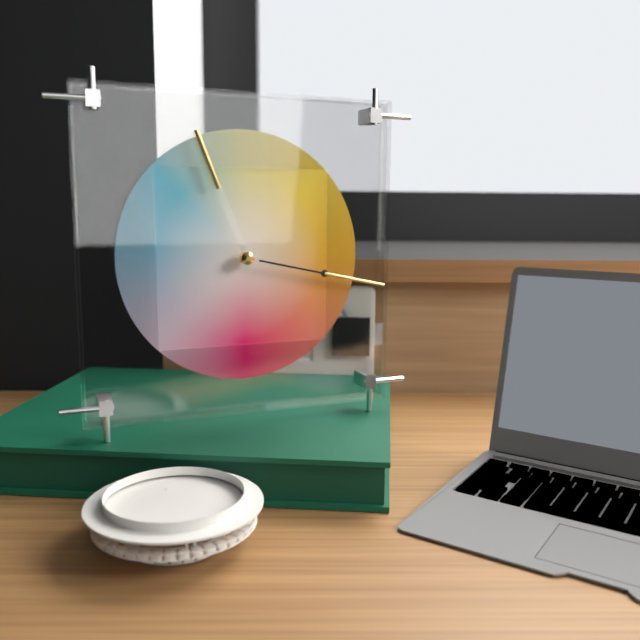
11.17
